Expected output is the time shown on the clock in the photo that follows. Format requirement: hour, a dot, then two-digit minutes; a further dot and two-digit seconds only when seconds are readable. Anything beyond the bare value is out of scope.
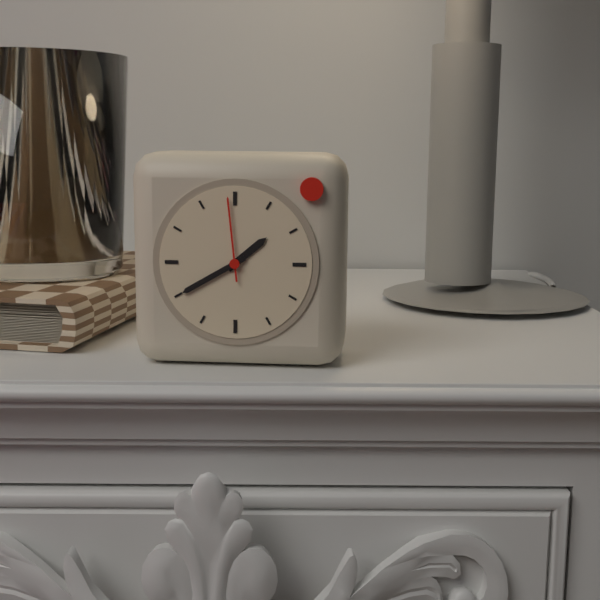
1.40.59
